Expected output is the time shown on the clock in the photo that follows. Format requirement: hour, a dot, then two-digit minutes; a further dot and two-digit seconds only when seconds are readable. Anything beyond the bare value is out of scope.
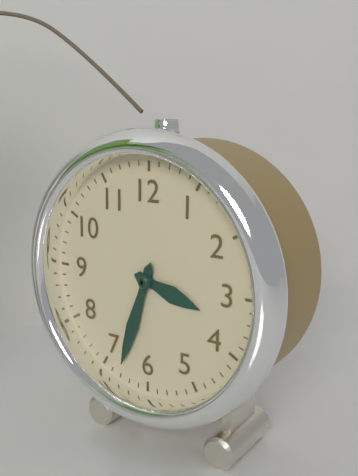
3.33
